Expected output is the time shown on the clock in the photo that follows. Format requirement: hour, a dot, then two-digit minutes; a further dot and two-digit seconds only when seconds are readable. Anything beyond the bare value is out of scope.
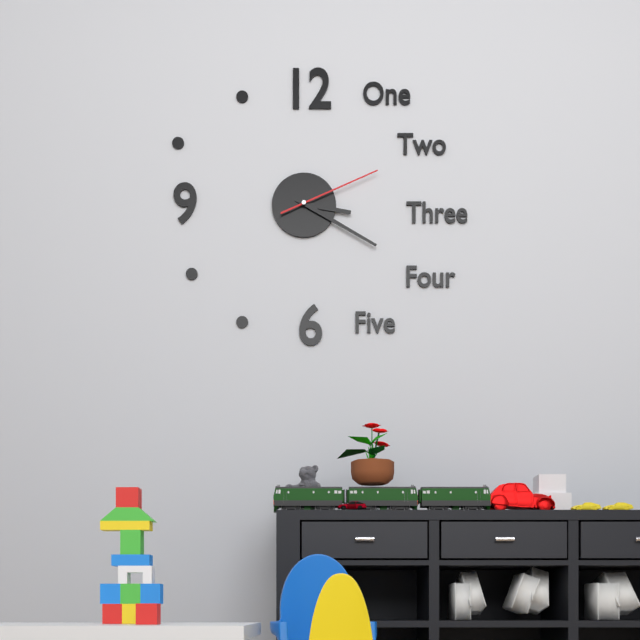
3.20.11
